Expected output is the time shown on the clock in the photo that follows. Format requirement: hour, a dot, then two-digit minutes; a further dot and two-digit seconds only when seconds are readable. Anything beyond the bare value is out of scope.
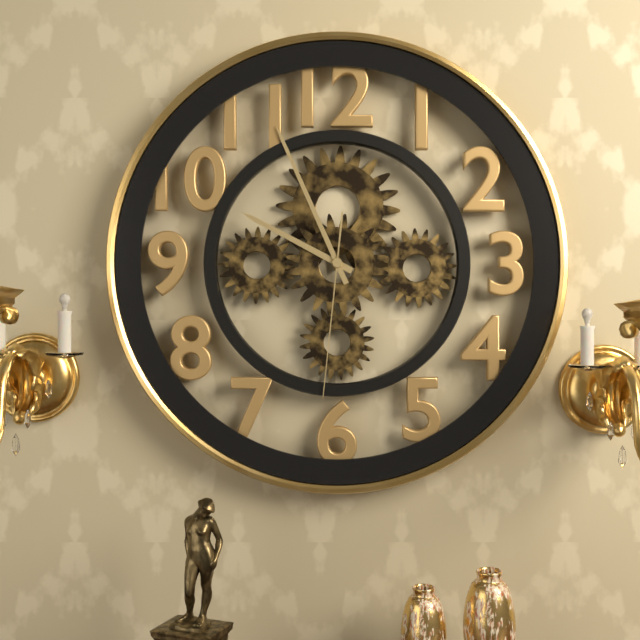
9.56.31
